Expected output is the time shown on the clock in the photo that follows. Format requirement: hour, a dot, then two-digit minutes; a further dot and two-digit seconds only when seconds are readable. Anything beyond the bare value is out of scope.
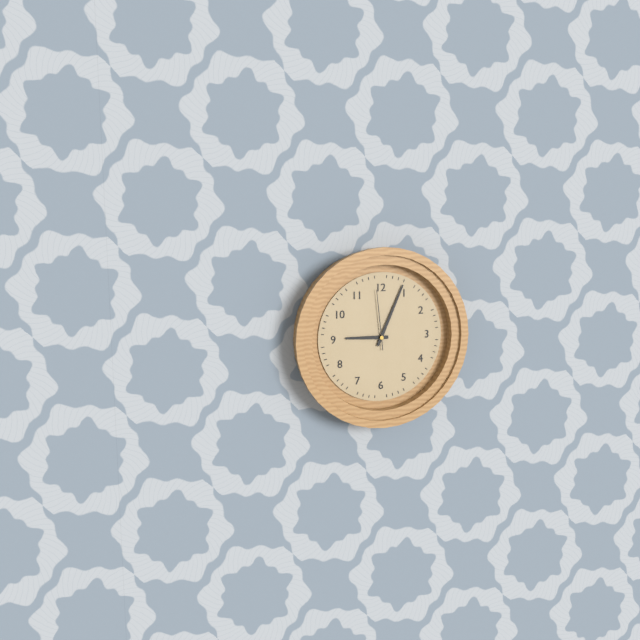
9.04.59
